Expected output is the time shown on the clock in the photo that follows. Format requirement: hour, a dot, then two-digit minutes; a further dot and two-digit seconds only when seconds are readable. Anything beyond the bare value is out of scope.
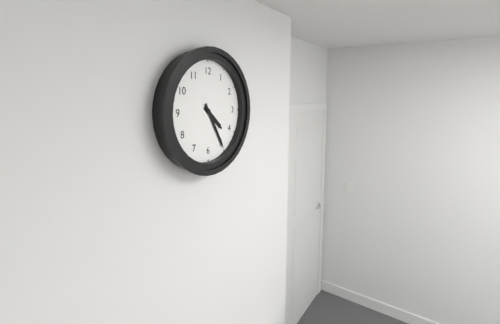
4.25
